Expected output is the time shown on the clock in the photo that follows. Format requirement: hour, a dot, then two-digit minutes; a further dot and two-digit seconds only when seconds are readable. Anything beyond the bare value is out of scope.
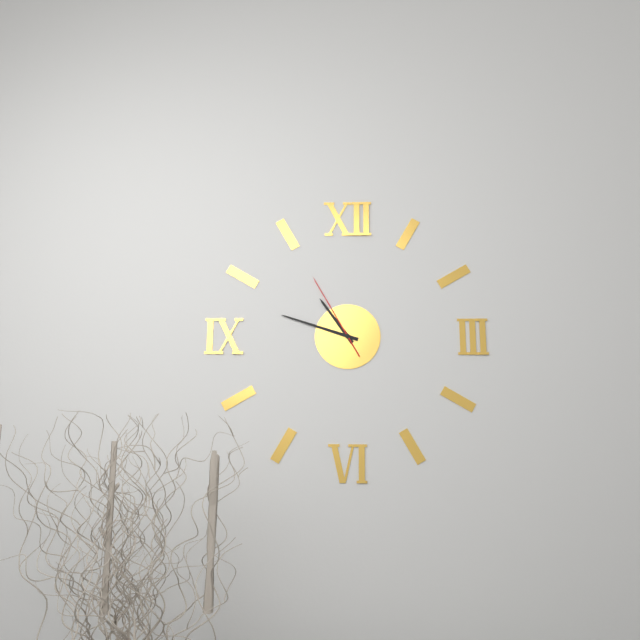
10.48.55
